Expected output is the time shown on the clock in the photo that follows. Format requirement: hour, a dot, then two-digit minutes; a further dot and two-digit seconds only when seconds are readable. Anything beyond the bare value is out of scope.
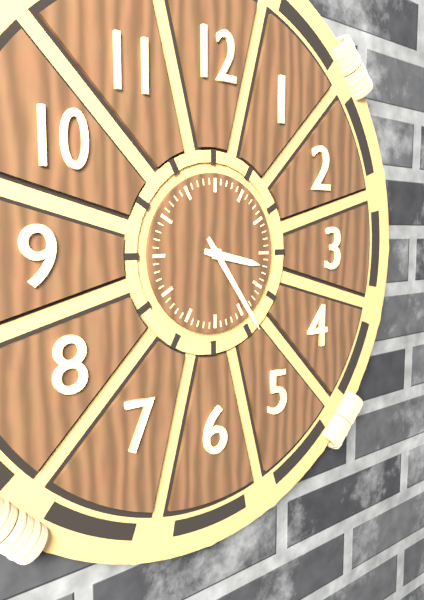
3.24
